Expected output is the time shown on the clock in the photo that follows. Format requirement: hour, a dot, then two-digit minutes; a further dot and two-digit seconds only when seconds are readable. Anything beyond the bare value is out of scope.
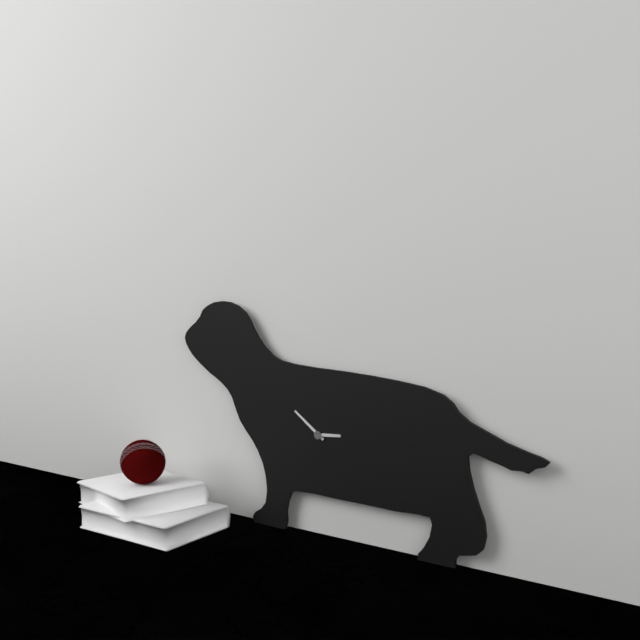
2.51
